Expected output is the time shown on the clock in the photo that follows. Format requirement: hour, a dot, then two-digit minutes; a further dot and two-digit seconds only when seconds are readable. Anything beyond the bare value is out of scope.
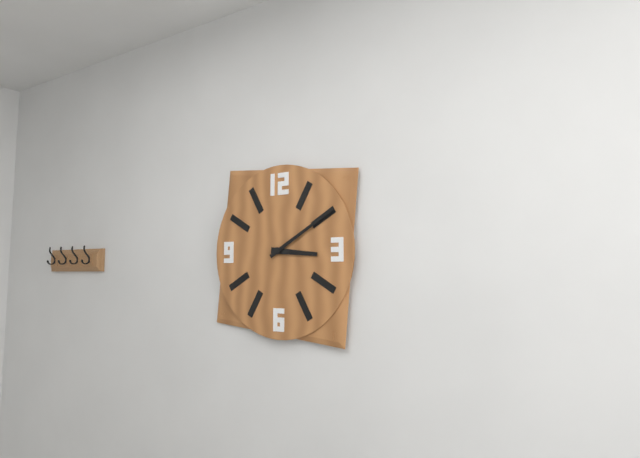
3.10
